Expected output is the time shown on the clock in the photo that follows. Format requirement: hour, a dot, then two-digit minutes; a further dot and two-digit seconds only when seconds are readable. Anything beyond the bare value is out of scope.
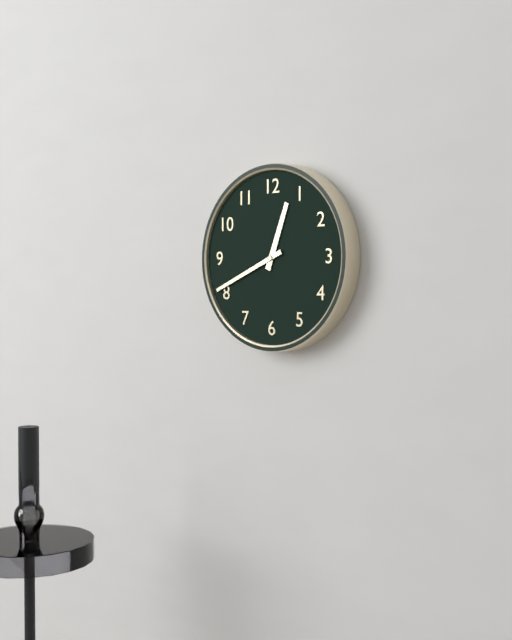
12.41
